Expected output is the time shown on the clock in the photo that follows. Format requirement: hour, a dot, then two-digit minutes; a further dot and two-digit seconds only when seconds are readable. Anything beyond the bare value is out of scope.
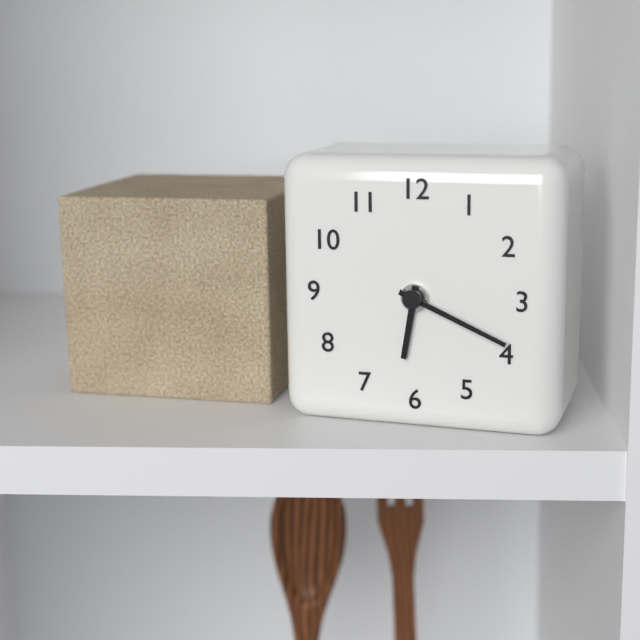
6.19
